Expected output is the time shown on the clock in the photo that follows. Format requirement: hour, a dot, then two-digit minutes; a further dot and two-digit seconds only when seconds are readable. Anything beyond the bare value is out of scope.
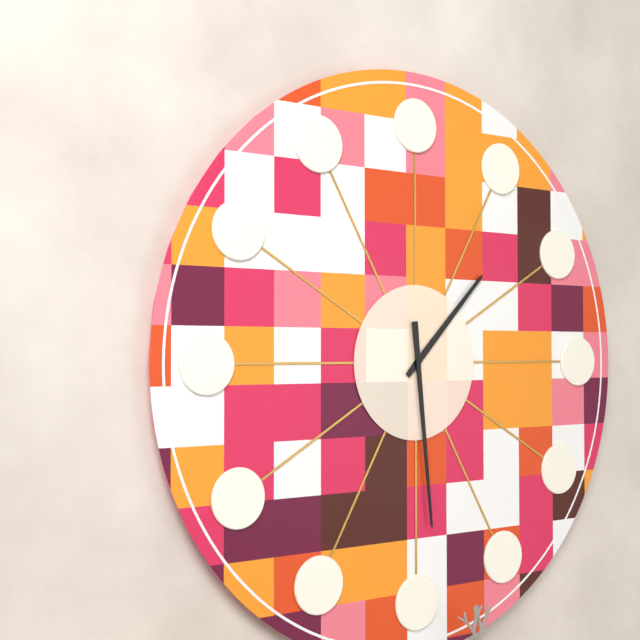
1.29
